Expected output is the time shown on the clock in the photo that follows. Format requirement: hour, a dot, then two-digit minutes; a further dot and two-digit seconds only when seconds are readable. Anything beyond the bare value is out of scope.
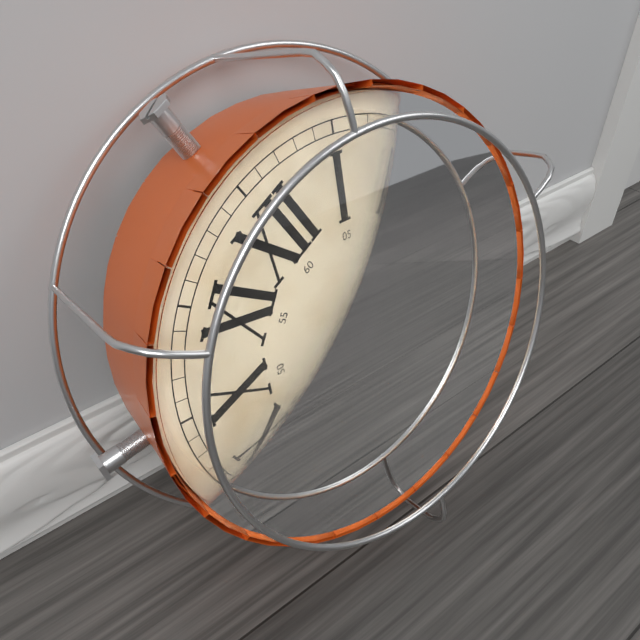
7.13
